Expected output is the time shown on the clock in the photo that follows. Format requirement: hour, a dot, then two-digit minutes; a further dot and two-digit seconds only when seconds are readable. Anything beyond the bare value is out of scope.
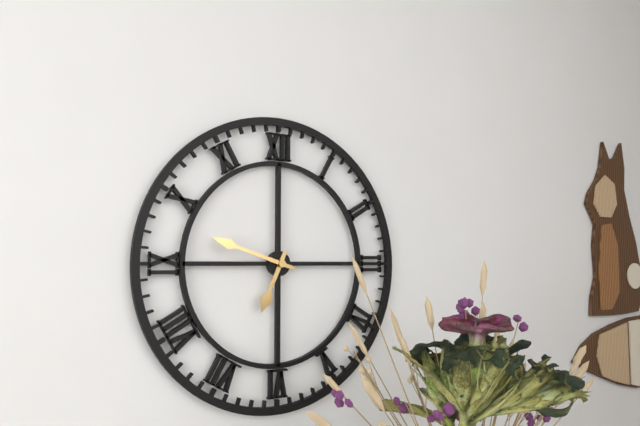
6.48
